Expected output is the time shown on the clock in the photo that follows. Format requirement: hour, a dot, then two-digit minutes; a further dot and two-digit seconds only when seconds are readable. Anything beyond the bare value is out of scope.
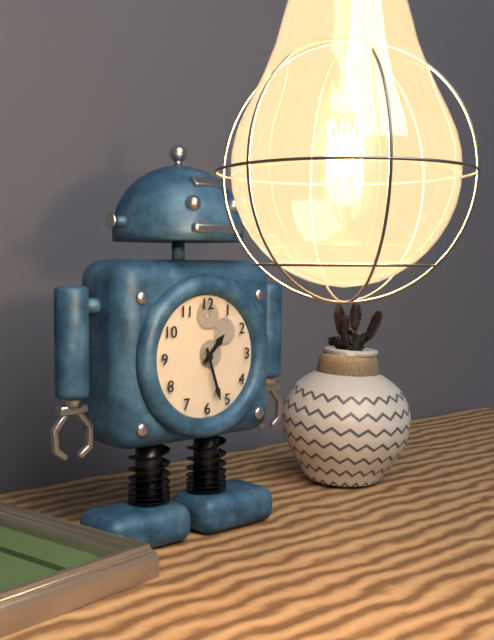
1.27
